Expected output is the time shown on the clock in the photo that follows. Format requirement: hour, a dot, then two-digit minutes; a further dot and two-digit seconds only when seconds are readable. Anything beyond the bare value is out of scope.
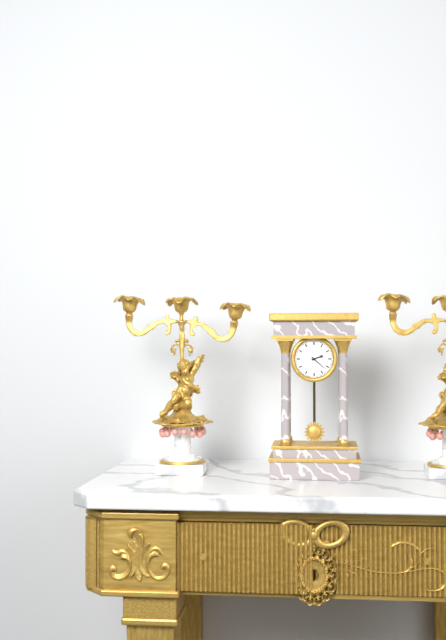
2.22
